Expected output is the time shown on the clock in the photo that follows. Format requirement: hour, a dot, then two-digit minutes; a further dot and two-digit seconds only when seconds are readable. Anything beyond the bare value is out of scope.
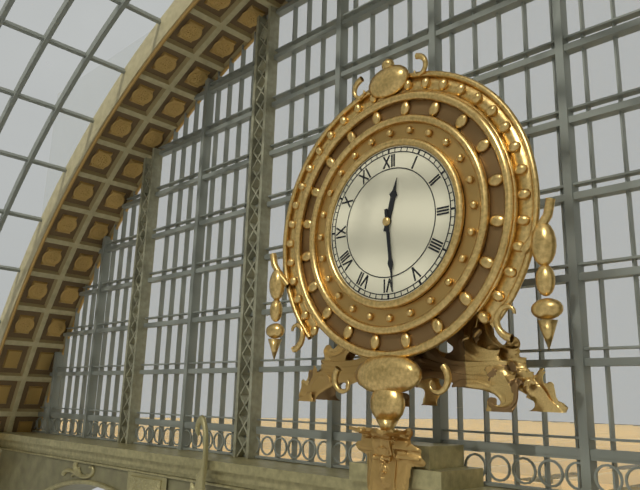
12.29
